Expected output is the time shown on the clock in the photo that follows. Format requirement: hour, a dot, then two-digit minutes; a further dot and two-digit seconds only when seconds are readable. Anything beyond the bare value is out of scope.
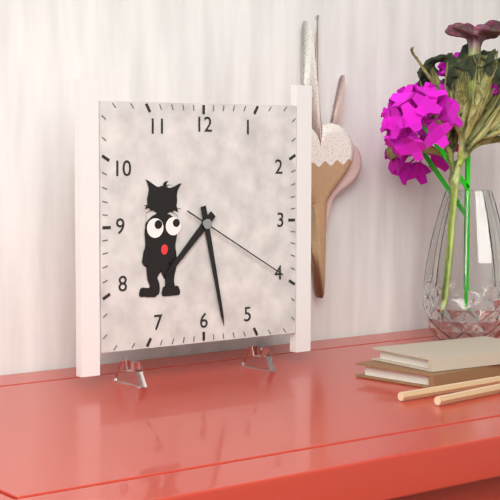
7.28.20
